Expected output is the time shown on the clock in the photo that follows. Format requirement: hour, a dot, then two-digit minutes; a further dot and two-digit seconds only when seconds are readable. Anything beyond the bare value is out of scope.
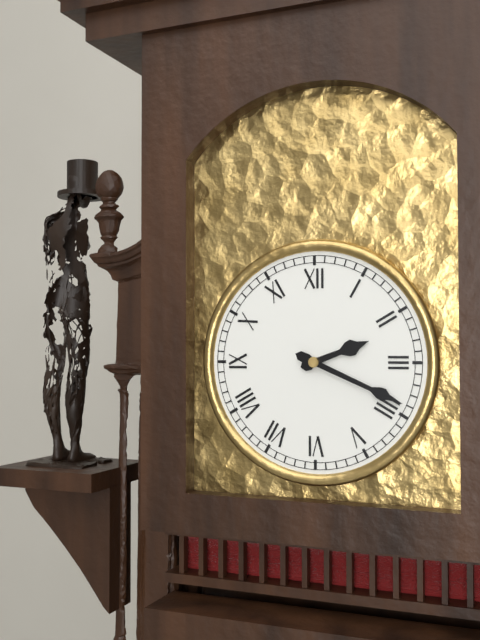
2.19
